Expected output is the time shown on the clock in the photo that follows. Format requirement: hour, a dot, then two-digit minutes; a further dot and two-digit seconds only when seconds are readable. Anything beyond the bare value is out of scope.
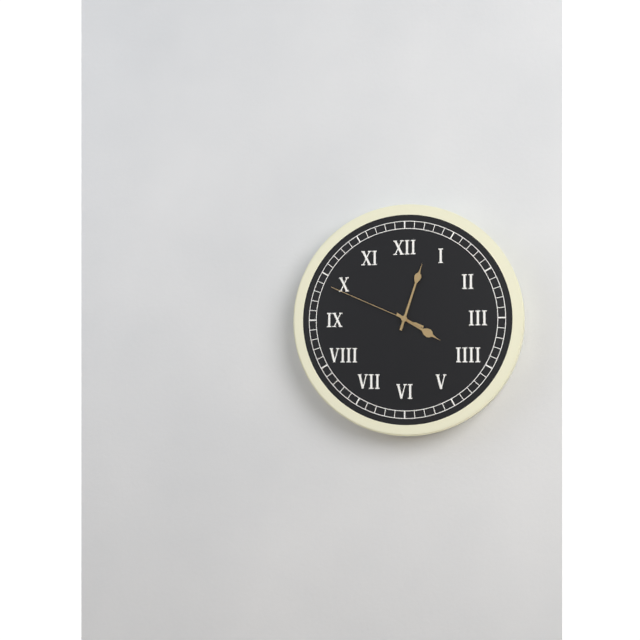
4.03.49
